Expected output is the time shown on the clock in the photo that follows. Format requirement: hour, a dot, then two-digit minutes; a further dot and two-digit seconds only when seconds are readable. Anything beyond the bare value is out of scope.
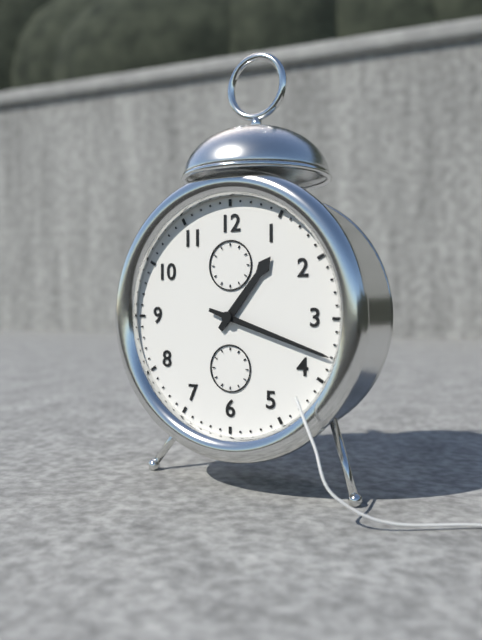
1.18
